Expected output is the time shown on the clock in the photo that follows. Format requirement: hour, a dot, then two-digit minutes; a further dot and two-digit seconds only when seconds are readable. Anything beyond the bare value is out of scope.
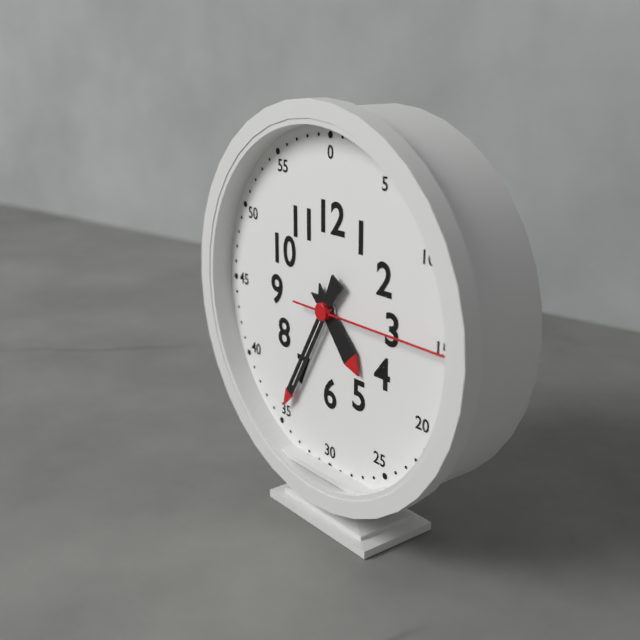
4.35.15
